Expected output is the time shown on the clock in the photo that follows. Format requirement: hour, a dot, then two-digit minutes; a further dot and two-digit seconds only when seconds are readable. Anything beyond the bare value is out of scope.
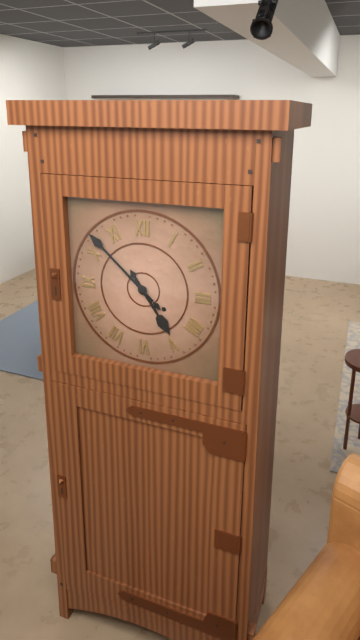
4.52
